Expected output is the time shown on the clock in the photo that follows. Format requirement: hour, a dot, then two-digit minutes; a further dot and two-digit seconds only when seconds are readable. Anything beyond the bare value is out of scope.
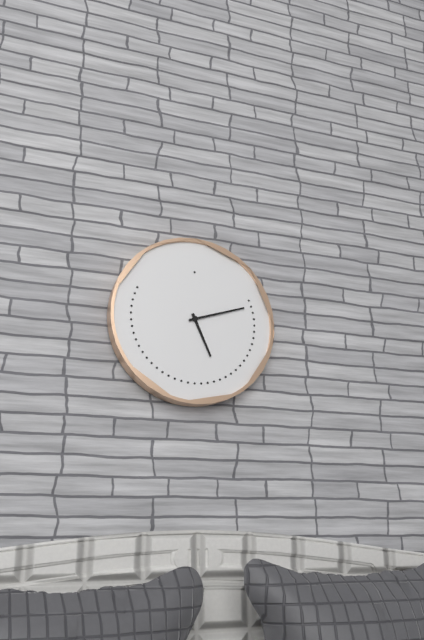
5.12
